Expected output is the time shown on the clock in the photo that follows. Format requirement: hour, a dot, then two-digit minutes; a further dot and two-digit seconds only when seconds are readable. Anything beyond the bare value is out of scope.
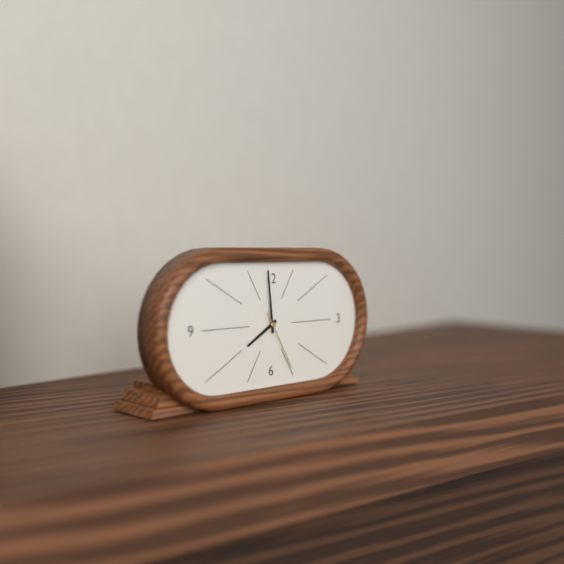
7.59.25
